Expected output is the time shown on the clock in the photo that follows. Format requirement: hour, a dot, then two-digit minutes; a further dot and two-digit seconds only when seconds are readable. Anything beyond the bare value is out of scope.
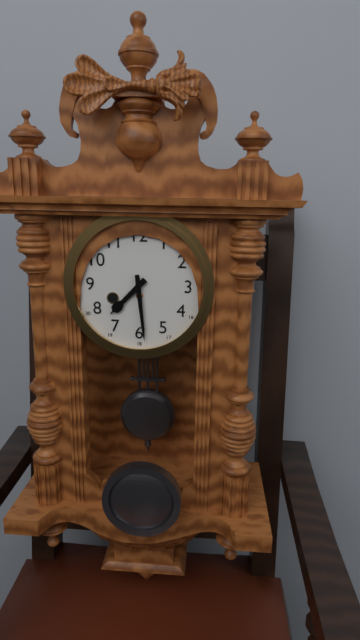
7.29
